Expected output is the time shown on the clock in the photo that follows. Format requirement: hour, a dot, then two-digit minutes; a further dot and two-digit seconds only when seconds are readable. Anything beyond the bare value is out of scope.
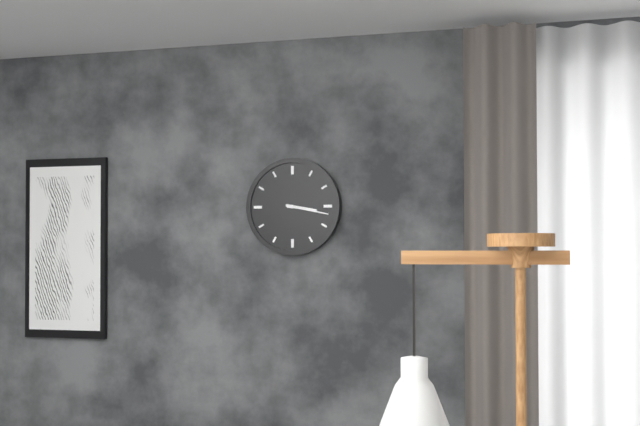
3.17
